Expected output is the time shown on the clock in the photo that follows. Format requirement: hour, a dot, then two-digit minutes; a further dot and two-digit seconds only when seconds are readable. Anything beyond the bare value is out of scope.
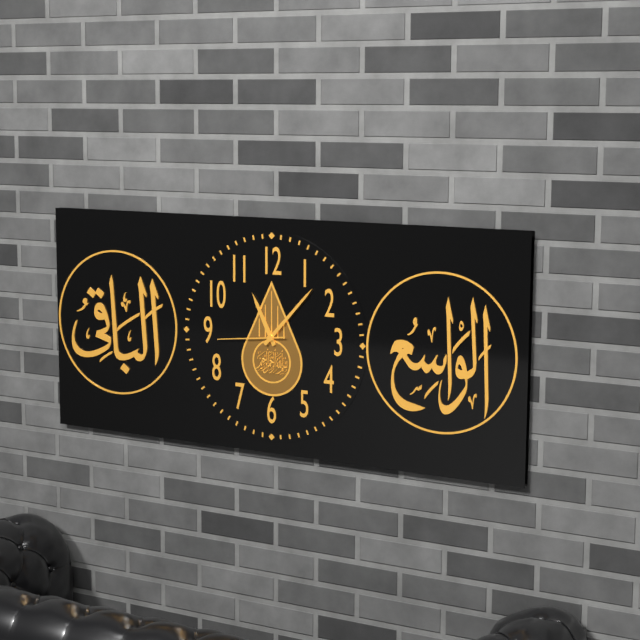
11.07.44
